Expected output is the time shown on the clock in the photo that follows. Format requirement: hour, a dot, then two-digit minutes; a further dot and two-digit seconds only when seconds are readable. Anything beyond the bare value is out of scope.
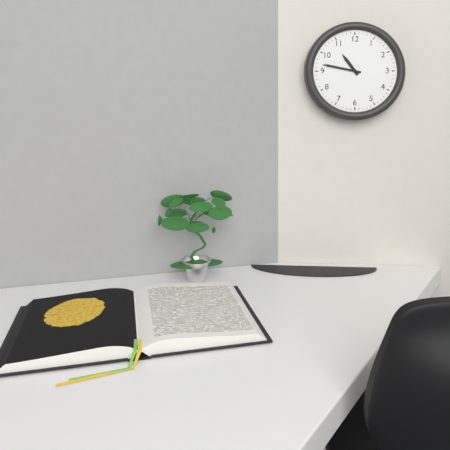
10.47
